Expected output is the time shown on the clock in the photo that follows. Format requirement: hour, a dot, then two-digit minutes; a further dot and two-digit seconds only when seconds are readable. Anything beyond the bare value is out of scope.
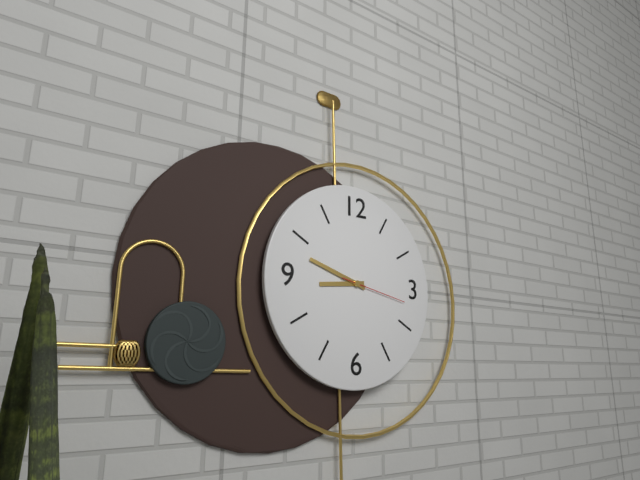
8.48.17
